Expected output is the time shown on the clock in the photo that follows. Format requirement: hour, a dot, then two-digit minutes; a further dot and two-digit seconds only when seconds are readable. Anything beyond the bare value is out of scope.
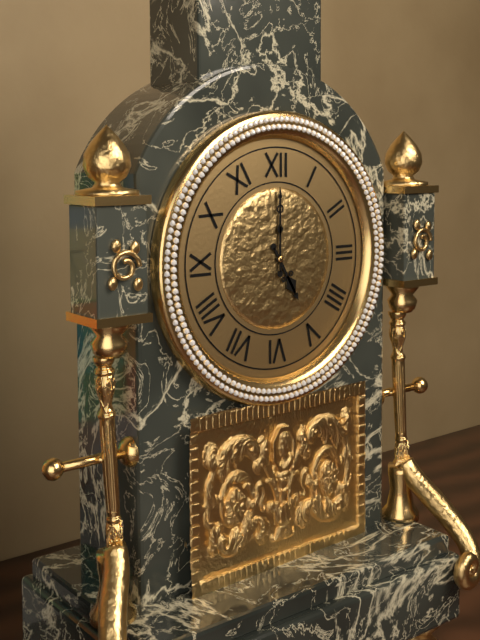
5.00
